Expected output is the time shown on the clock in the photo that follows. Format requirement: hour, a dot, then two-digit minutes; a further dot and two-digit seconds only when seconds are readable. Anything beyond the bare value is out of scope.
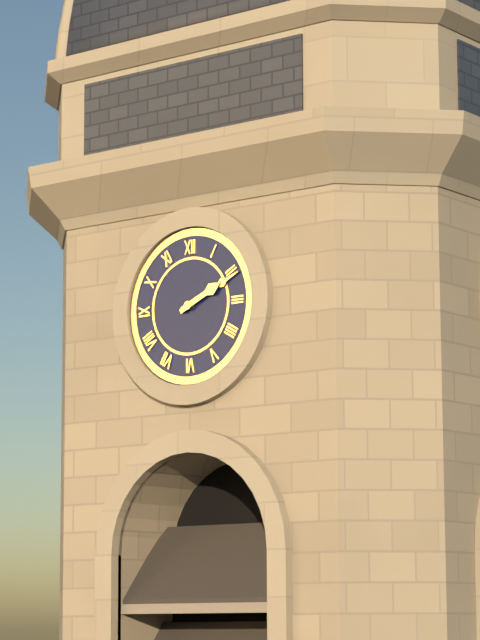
2.11
